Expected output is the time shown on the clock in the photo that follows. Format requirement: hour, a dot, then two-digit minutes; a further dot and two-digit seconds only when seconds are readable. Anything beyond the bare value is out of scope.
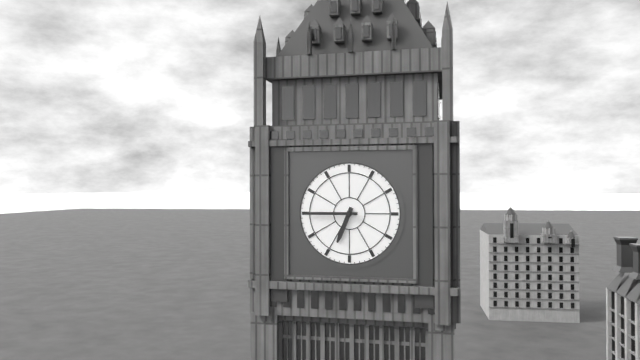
6.45
